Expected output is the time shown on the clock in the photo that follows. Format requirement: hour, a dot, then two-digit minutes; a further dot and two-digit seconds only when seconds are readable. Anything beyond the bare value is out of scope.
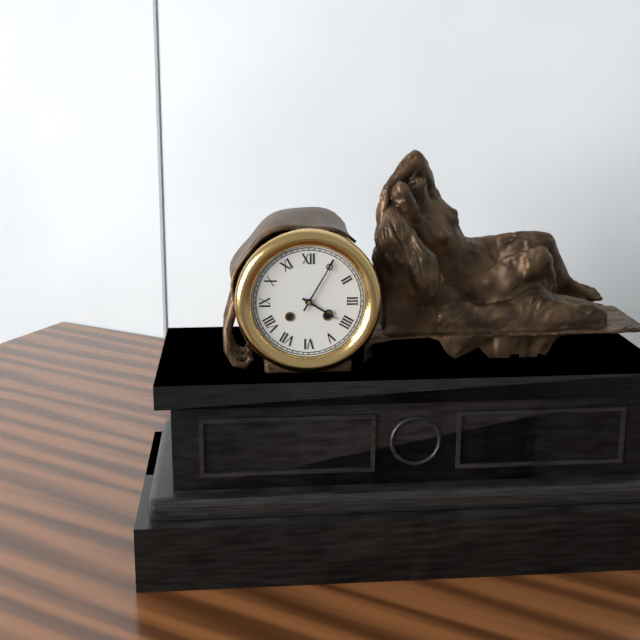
4.05
